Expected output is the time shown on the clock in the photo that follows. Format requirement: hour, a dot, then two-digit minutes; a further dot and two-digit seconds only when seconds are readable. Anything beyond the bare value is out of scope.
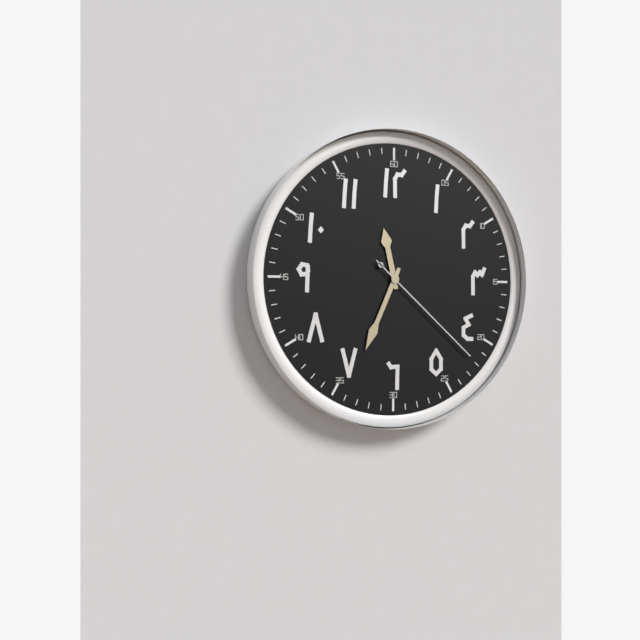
11.34.22
